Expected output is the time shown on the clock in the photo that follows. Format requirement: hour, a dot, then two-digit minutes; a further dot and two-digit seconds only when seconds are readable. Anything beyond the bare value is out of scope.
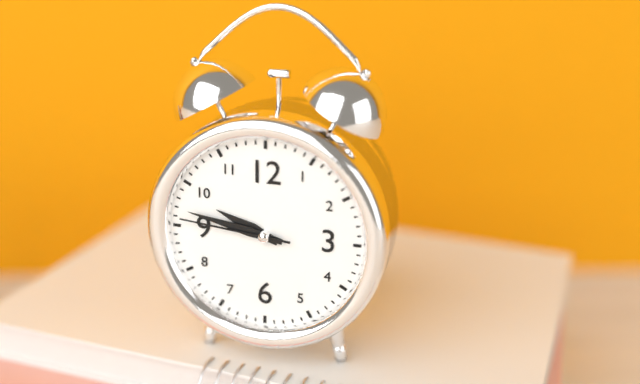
9.47.46
